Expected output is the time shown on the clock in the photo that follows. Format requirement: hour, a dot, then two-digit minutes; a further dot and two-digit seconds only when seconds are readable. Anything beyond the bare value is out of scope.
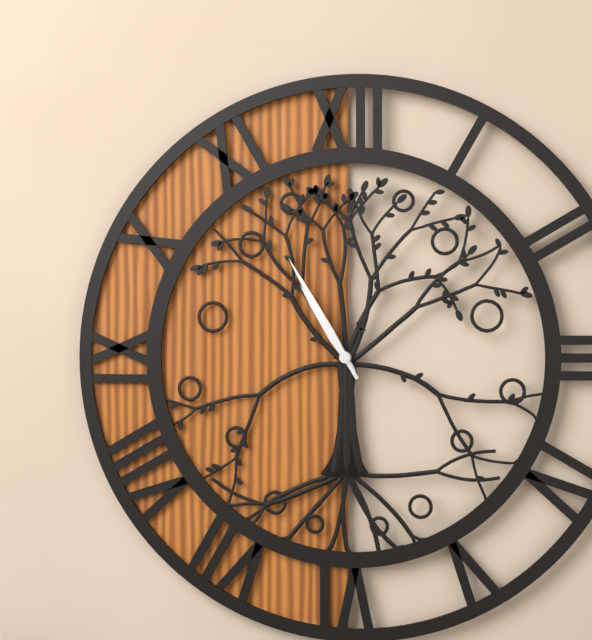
10.55
